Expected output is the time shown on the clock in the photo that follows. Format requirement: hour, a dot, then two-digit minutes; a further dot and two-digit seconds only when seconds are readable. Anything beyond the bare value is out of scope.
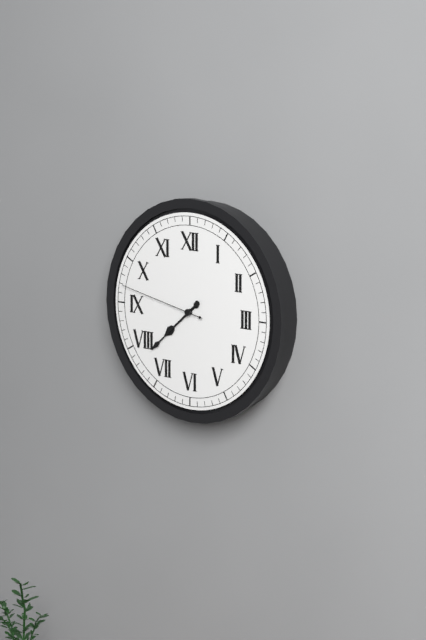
7.38.47
